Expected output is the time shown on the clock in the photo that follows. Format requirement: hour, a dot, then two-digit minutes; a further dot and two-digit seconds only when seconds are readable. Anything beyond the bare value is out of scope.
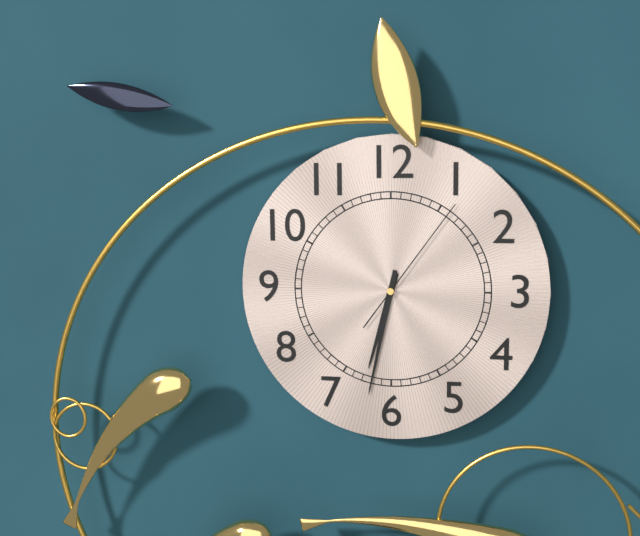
6.32.06
